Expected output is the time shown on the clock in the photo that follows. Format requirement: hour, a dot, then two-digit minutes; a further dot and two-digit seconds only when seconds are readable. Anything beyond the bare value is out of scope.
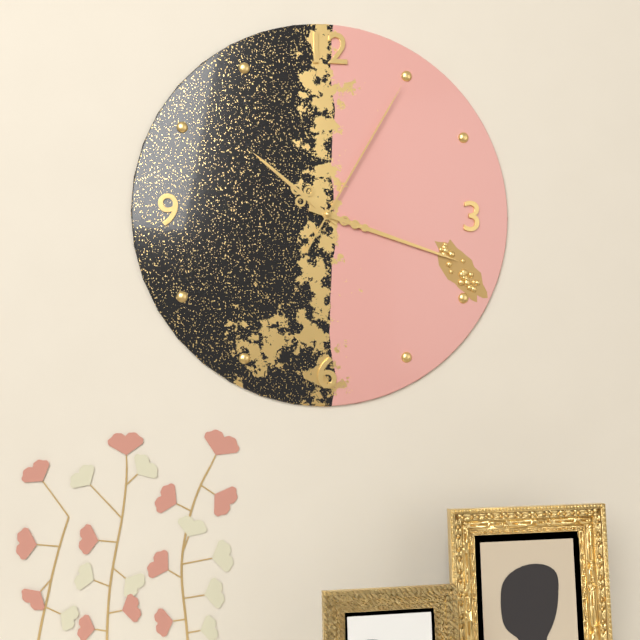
10.18.05
